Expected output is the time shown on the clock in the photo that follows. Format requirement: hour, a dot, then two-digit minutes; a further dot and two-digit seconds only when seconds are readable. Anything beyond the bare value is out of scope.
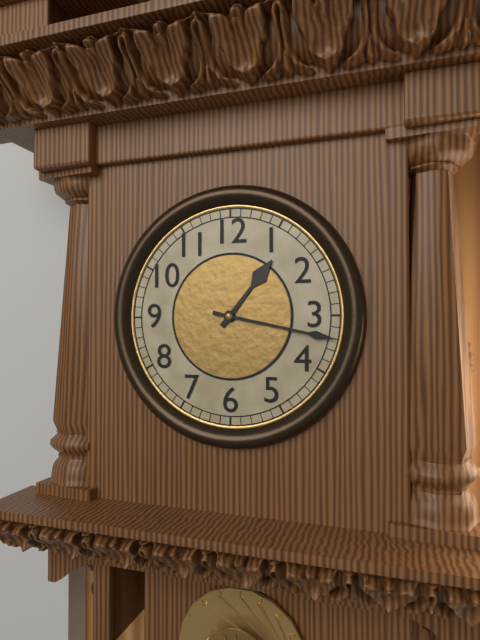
1.17
